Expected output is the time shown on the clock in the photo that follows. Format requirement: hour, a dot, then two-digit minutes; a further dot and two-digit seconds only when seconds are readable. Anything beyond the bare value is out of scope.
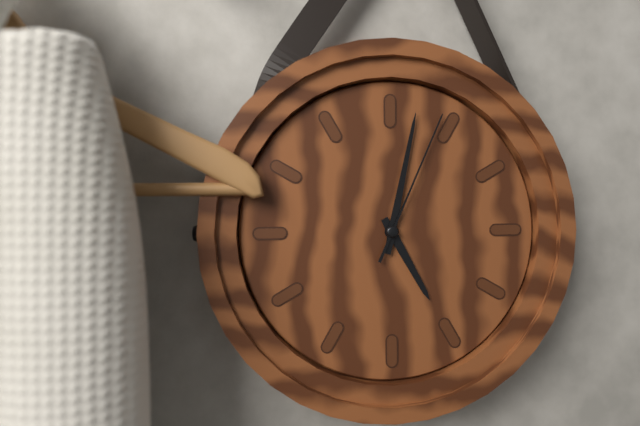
5.02.04
